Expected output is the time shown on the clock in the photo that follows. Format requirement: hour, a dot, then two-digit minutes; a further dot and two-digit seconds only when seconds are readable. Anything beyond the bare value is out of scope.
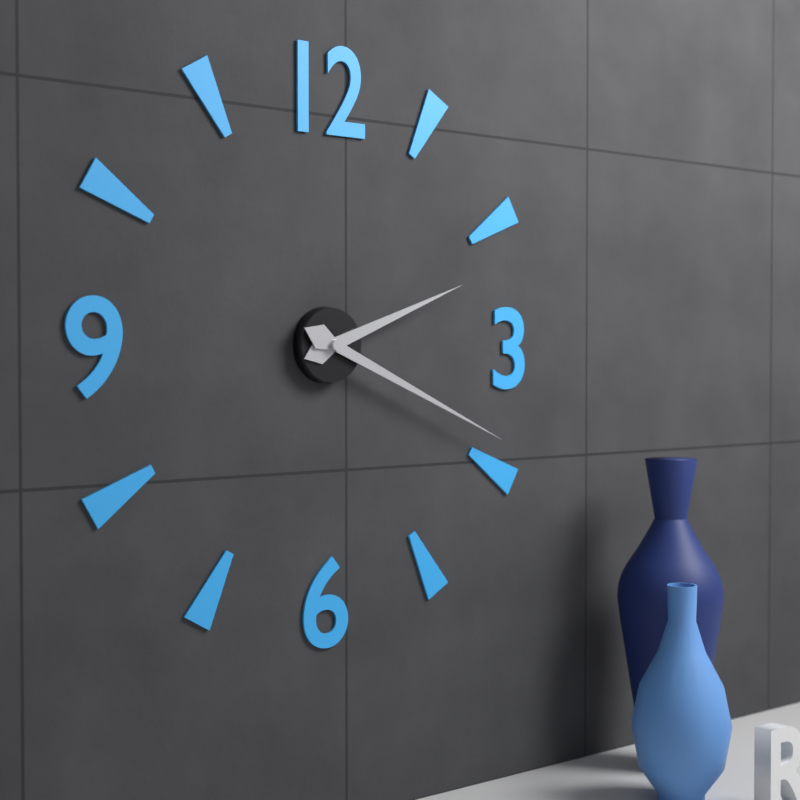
2.19
